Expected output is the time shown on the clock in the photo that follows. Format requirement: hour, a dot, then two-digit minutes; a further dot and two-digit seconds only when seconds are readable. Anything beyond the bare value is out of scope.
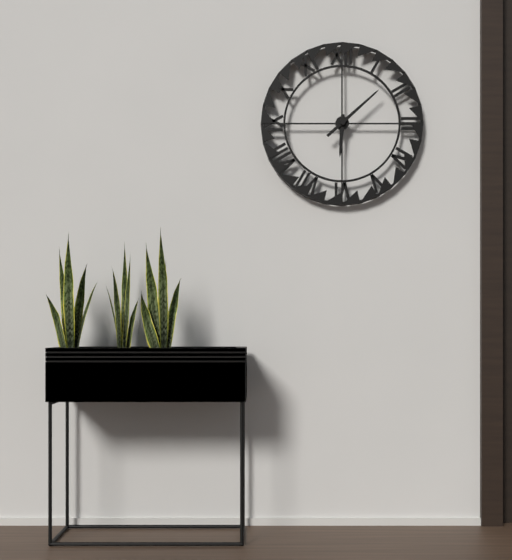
6.08
